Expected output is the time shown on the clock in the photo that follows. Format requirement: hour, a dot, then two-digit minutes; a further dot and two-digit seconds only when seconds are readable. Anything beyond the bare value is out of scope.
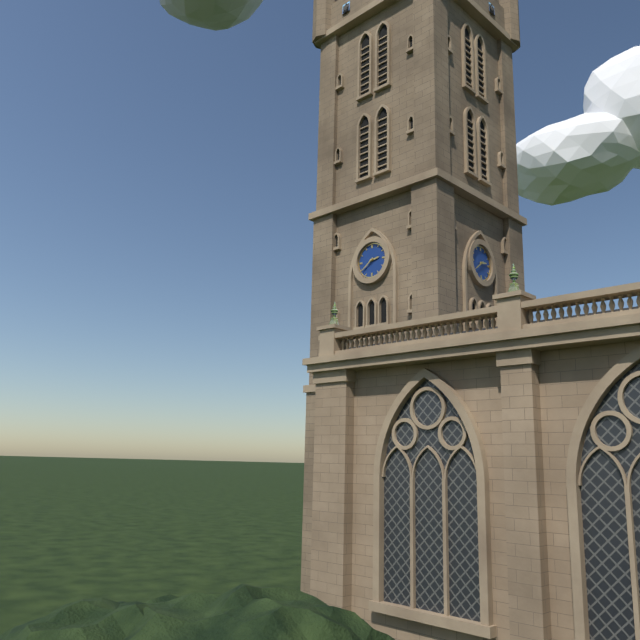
2.39
